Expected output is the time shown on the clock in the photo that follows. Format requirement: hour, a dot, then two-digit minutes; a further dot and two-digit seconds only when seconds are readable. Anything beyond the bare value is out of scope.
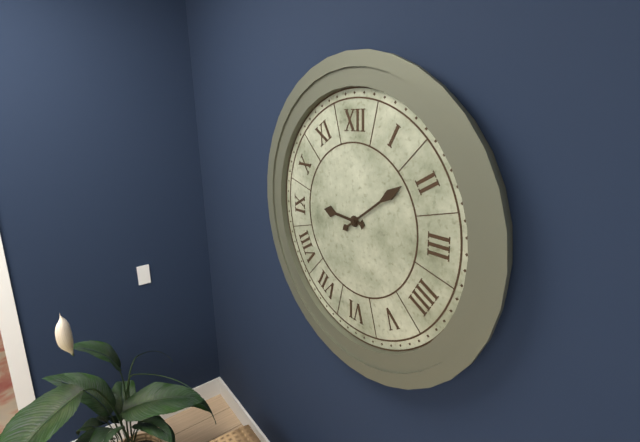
9.09
